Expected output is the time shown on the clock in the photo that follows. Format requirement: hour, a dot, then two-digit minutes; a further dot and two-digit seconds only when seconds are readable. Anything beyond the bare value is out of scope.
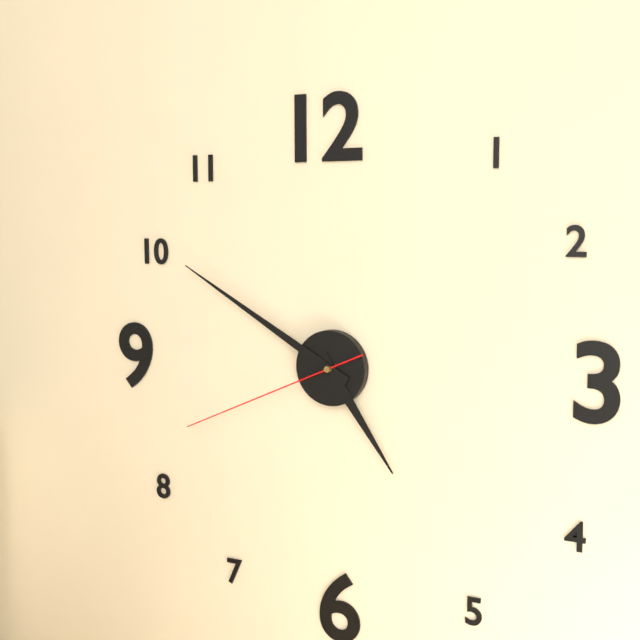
4.50.41
